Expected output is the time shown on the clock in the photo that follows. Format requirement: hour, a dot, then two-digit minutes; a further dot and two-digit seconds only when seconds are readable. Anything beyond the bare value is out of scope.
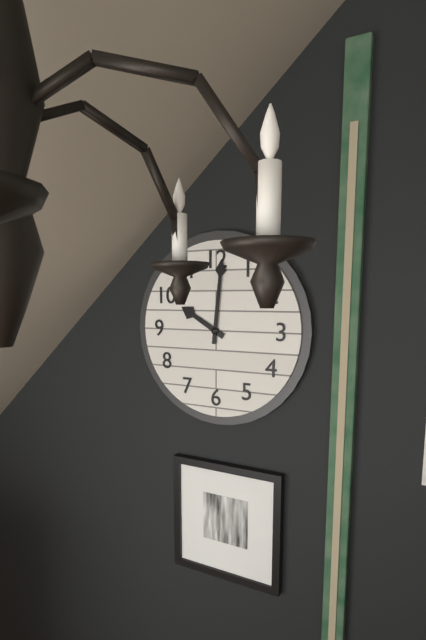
10.01
